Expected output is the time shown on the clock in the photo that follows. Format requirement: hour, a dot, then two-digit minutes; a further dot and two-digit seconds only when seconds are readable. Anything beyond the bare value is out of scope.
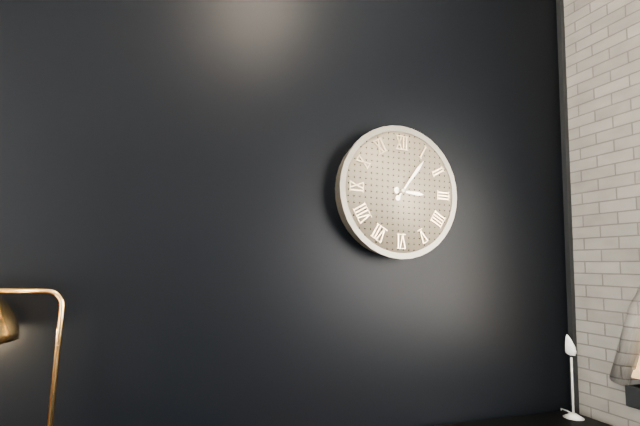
3.06
